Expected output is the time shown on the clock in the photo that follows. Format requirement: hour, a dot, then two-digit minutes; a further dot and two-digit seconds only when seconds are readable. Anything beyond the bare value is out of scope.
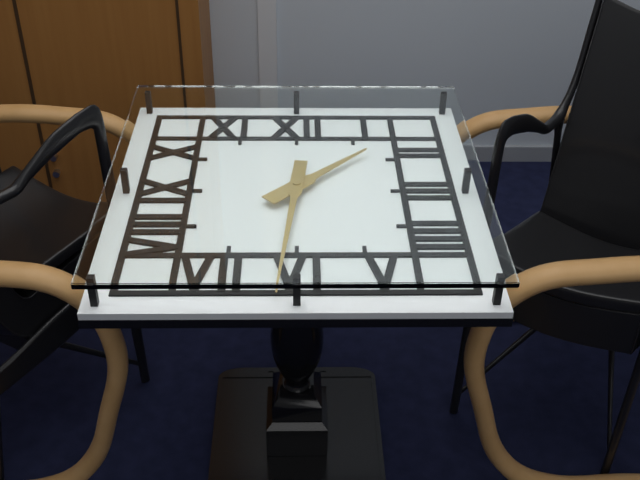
1.31
